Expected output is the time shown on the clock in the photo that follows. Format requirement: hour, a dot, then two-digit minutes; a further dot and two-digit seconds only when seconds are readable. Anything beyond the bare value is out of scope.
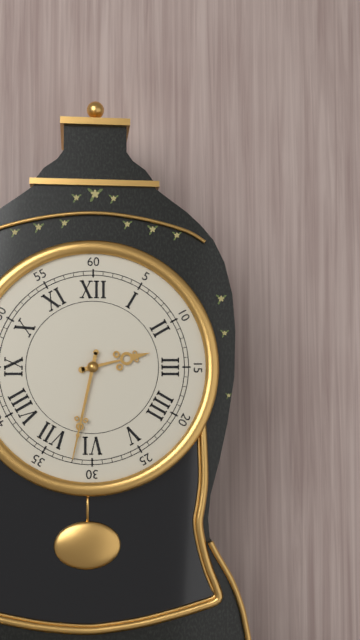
2.32
